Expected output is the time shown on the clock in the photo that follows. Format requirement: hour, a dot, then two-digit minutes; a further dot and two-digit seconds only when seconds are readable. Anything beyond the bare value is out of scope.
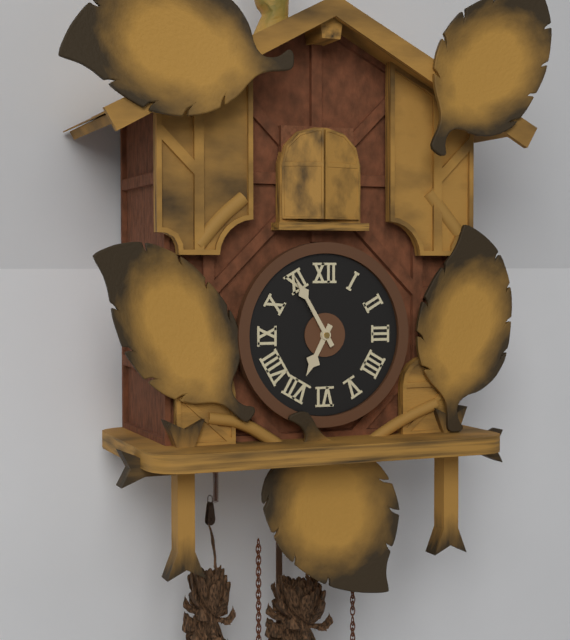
6.55
